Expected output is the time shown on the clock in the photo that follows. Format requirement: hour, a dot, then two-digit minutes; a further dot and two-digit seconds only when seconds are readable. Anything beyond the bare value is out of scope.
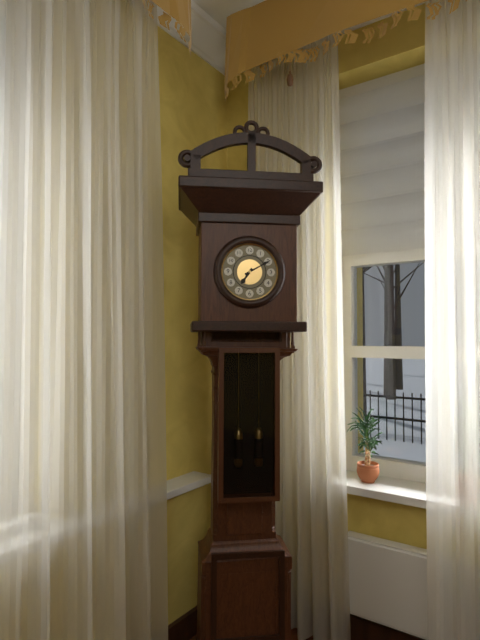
7.10
